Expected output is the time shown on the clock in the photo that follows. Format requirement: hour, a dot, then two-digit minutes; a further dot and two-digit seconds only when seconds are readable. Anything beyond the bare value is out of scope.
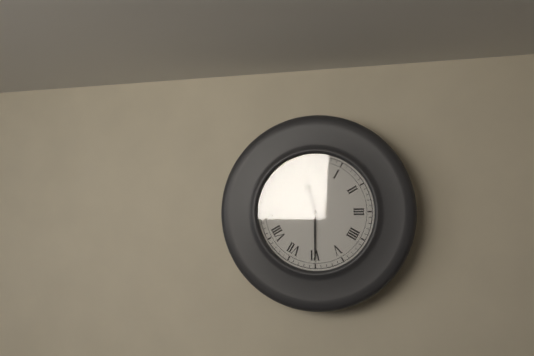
11.30
